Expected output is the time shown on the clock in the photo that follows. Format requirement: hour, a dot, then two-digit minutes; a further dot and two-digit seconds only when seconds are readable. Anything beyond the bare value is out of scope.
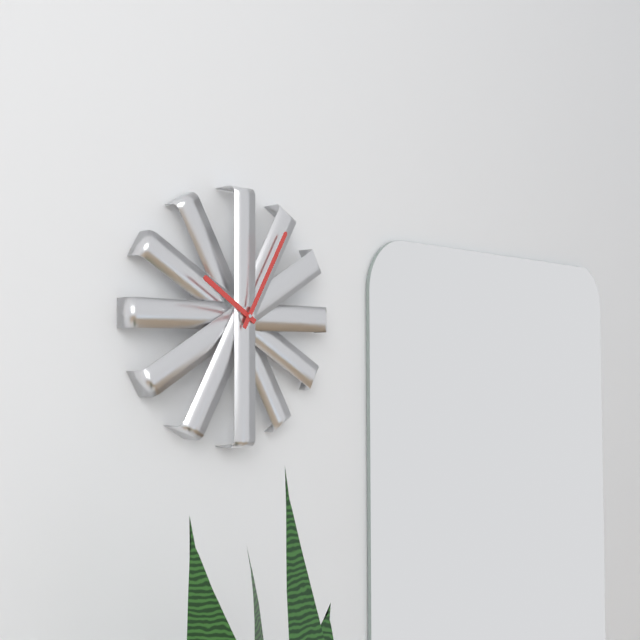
10.05
